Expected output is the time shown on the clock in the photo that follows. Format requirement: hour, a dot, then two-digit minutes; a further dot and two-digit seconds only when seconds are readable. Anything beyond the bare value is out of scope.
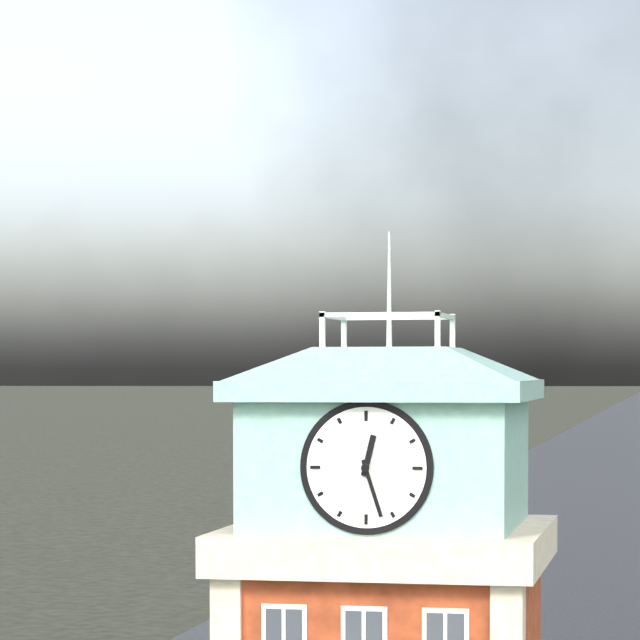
12.27
